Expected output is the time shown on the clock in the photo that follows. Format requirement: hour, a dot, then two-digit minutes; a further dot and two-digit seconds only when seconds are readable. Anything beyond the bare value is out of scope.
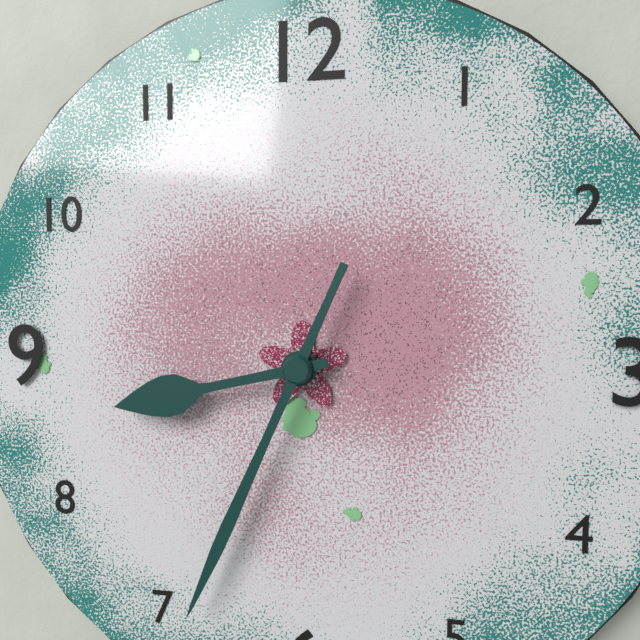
8.34
